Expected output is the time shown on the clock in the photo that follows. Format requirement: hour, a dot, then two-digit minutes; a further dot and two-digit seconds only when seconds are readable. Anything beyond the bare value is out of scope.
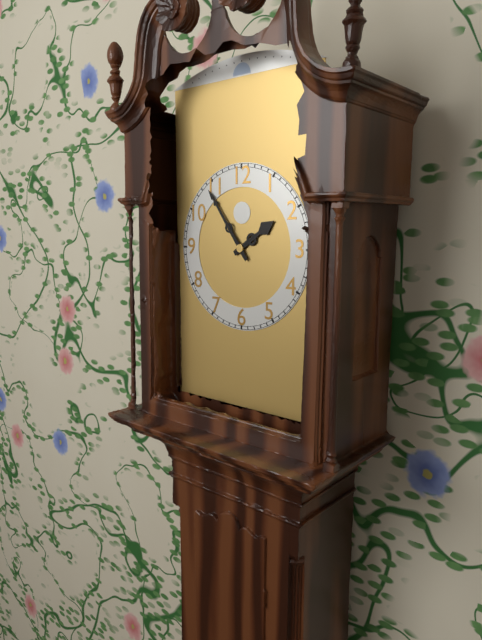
1.54
